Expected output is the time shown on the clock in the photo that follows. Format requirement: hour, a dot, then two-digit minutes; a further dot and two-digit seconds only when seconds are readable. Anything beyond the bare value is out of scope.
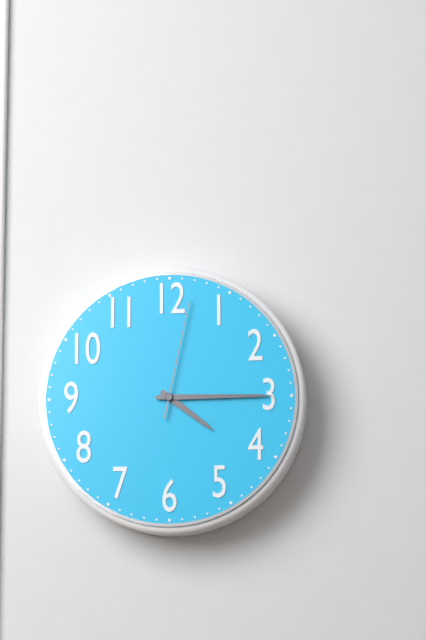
4.15.02
